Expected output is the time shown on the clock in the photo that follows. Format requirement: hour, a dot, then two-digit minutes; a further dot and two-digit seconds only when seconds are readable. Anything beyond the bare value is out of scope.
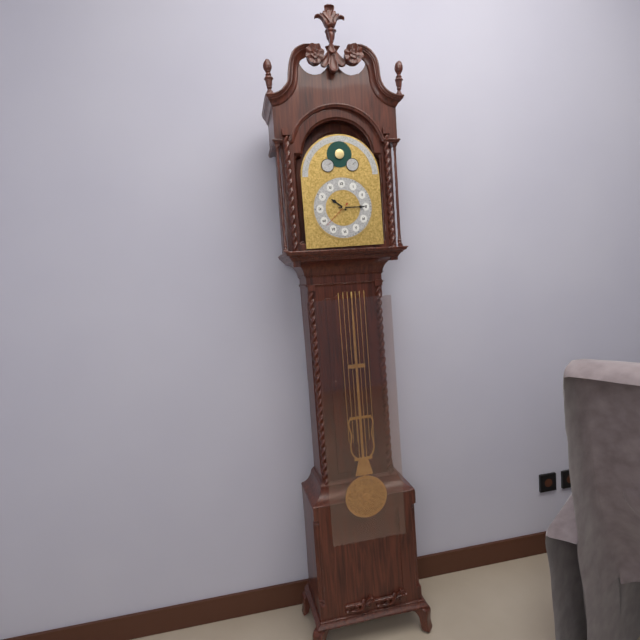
10.15
